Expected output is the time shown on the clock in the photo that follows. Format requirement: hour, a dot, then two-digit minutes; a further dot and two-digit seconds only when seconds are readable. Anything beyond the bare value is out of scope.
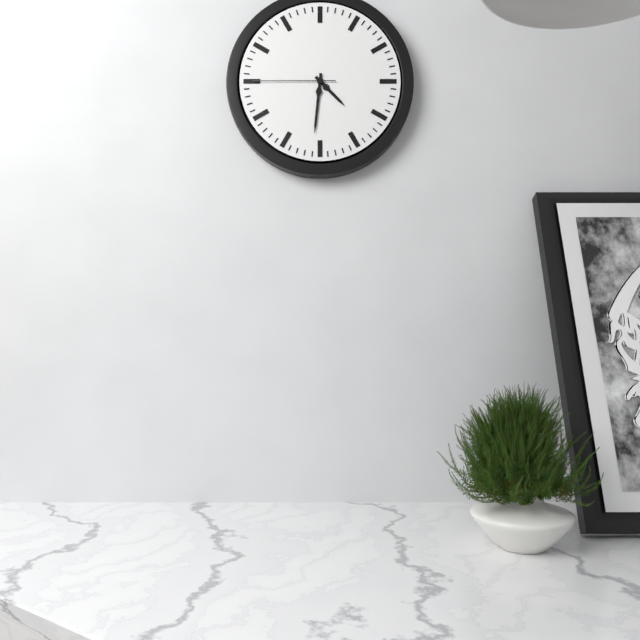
4.31.45
